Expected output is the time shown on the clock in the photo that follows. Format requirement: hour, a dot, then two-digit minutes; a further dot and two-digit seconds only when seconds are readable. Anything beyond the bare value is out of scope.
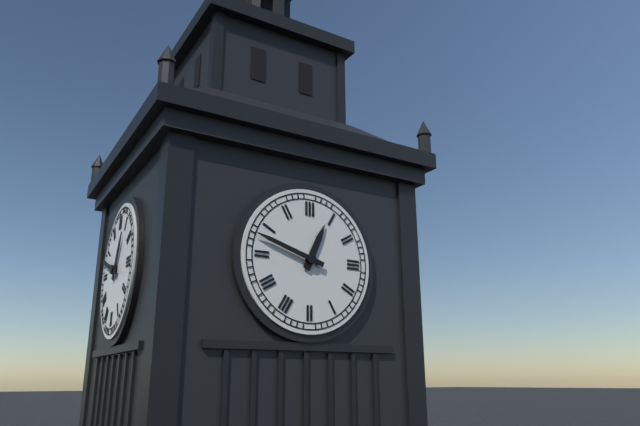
12.48
